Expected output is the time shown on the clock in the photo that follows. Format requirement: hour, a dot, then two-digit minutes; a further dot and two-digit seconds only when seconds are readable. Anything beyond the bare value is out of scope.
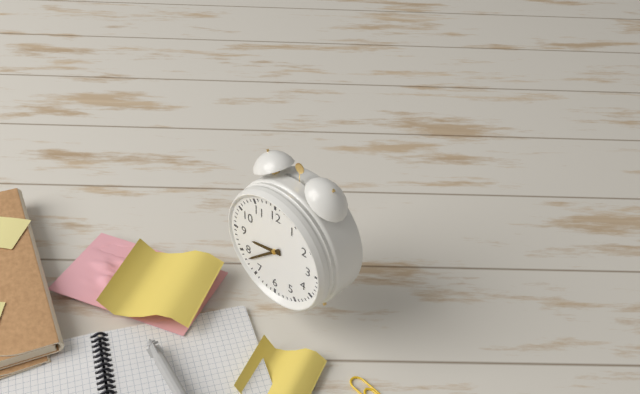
8.38
